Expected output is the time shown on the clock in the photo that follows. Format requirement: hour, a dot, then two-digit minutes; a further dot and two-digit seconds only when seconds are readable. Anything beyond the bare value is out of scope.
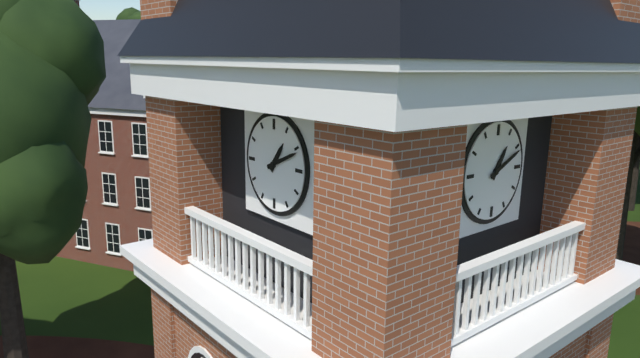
1.11
